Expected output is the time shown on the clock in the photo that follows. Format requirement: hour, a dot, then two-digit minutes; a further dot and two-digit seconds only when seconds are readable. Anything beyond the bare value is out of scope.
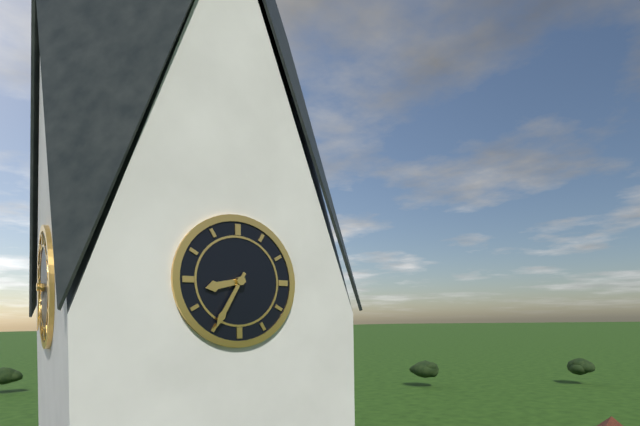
8.35
